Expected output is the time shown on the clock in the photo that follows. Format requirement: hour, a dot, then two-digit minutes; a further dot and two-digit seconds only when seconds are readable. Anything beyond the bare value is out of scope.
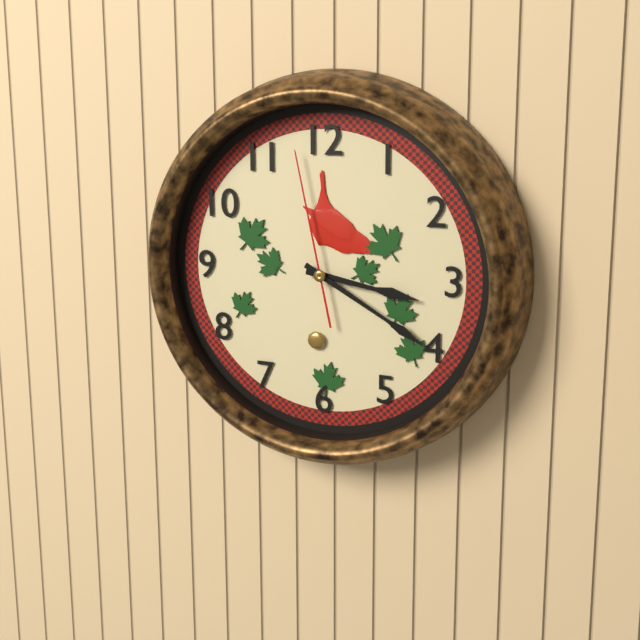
3.20.58
